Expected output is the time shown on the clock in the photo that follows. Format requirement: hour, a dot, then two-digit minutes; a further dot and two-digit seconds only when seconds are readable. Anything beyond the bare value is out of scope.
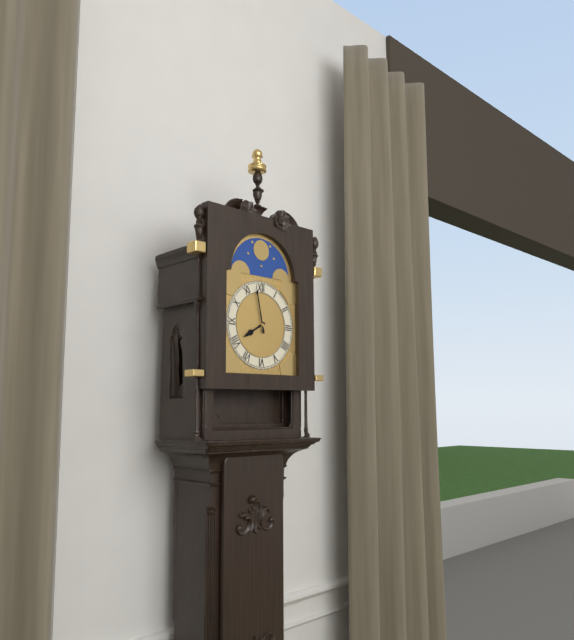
7.58
